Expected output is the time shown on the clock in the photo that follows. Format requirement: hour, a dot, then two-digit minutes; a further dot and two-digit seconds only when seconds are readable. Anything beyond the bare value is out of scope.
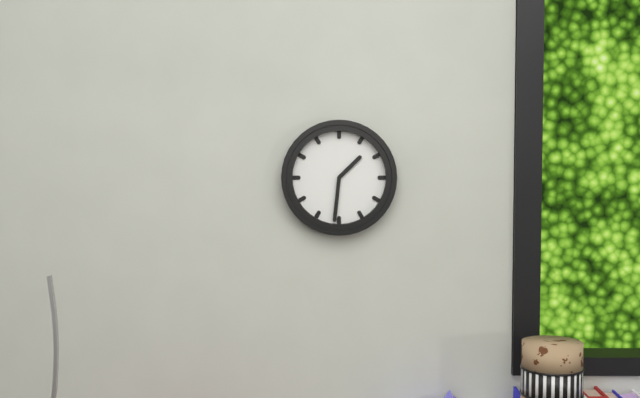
1.31
